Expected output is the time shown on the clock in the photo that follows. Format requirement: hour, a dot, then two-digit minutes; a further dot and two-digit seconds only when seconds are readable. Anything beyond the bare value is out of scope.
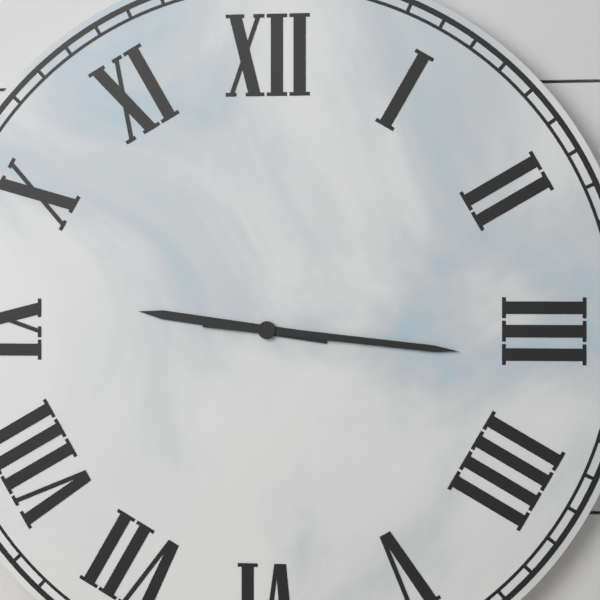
9.16
